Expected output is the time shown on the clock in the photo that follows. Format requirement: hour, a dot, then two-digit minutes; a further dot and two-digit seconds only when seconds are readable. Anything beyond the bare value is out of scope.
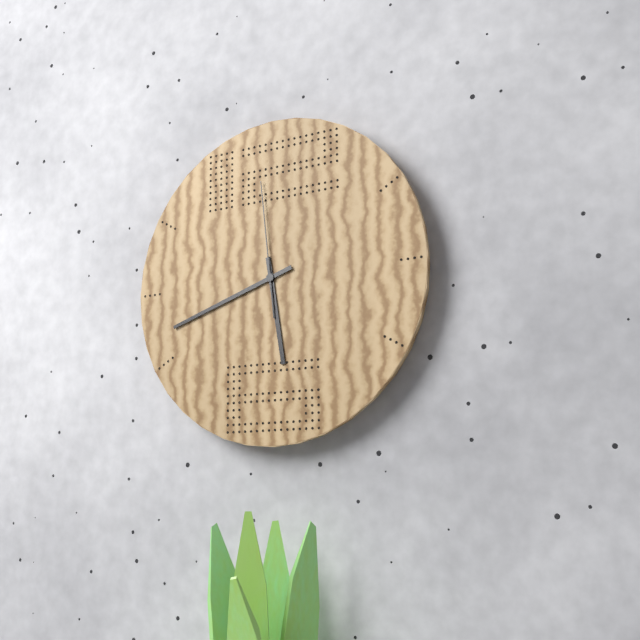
5.42.59
